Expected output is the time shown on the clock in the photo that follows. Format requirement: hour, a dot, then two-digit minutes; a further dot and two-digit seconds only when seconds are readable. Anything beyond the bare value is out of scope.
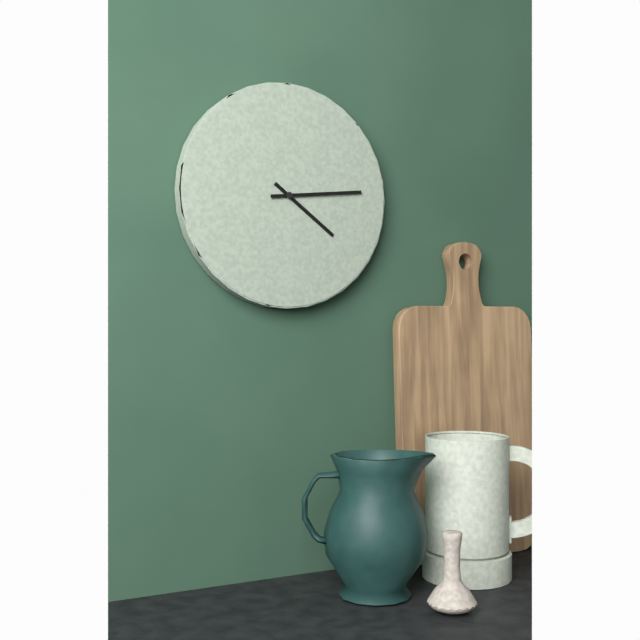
4.14
